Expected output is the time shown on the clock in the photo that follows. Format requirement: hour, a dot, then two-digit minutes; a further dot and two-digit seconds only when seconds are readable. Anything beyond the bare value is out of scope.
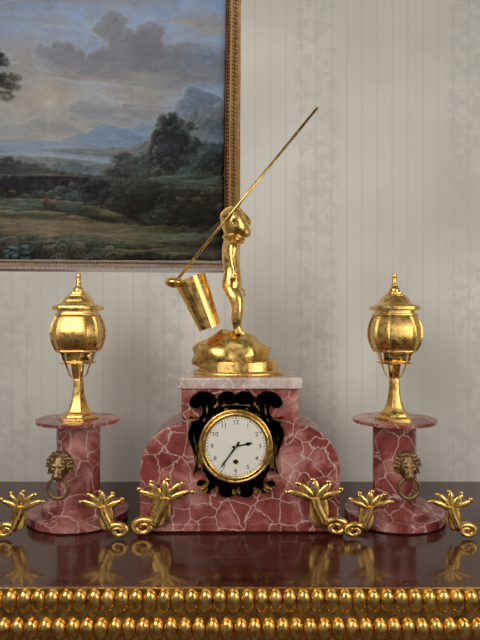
2.36
